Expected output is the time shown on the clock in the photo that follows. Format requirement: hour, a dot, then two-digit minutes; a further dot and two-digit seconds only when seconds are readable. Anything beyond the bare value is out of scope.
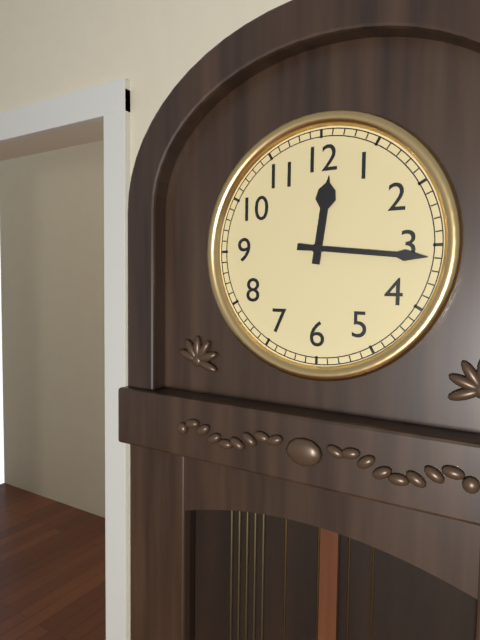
12.16
